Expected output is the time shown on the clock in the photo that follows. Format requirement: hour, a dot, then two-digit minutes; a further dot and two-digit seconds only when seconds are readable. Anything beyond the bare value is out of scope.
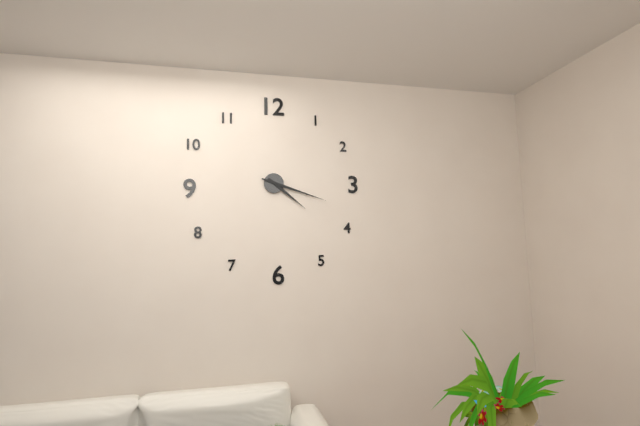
4.18
